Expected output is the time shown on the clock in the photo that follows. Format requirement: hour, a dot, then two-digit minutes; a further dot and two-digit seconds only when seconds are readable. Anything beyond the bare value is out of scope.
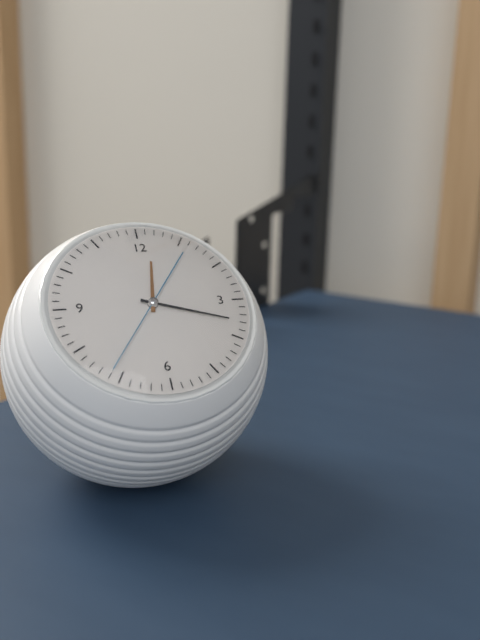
12.18.36
